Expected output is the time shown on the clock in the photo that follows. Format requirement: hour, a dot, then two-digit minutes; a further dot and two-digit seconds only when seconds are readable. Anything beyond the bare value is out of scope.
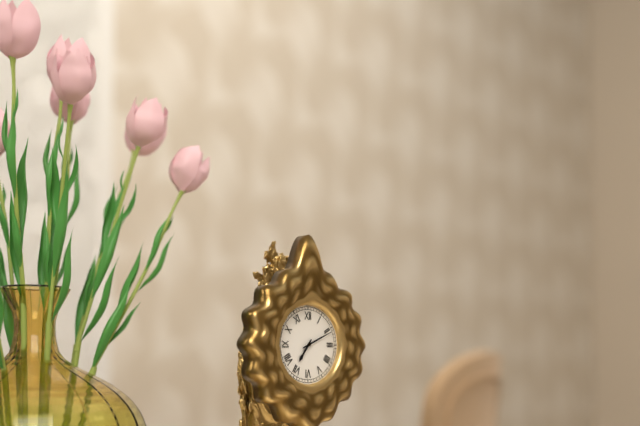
7.11
